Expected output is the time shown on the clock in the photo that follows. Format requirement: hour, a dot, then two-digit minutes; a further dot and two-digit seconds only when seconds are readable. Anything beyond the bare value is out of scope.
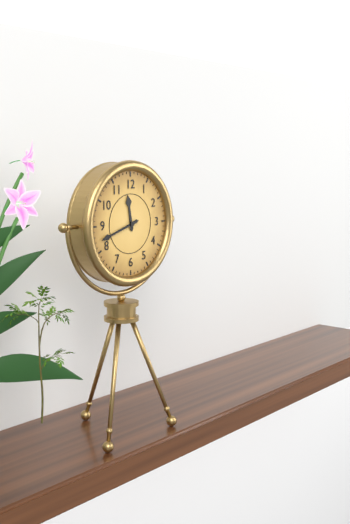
11.42
